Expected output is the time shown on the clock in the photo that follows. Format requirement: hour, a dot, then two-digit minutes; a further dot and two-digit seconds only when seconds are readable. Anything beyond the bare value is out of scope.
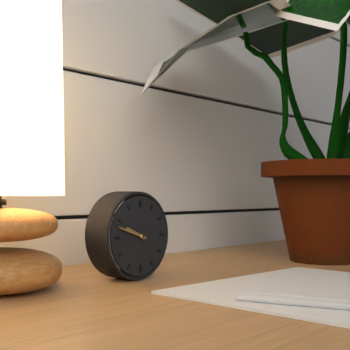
9.48
